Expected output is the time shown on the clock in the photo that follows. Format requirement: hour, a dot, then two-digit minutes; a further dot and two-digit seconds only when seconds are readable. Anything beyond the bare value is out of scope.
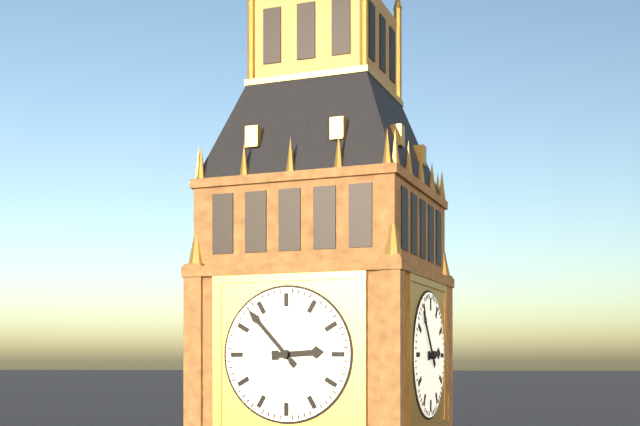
2.53
